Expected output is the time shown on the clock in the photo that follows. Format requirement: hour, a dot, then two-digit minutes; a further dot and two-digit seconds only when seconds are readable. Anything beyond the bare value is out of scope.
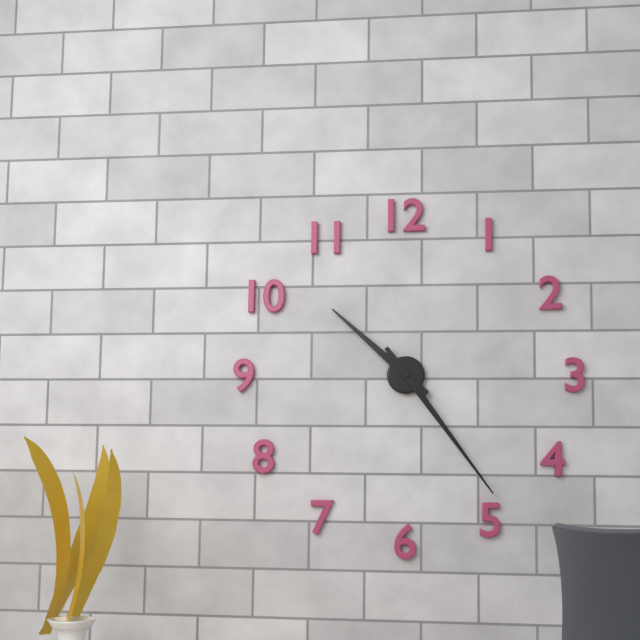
10.24
